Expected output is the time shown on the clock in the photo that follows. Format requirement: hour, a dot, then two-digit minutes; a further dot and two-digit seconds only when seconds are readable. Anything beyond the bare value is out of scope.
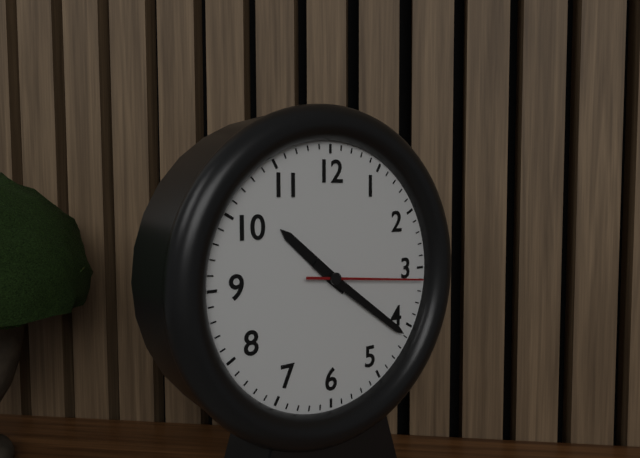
10.21.16
